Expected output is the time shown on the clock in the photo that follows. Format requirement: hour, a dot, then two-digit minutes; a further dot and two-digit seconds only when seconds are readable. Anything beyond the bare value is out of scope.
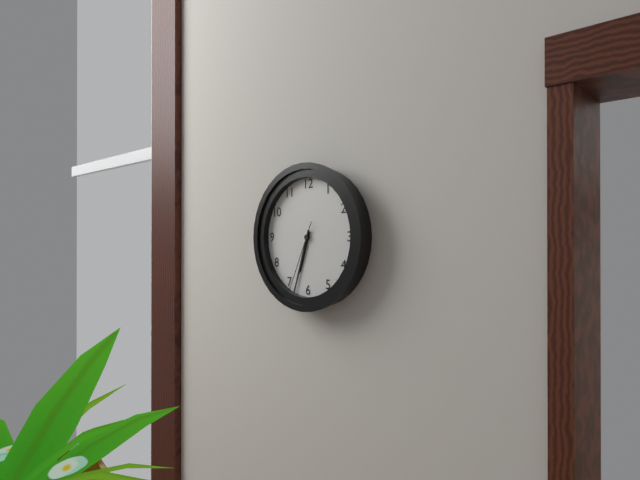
6.33.34
